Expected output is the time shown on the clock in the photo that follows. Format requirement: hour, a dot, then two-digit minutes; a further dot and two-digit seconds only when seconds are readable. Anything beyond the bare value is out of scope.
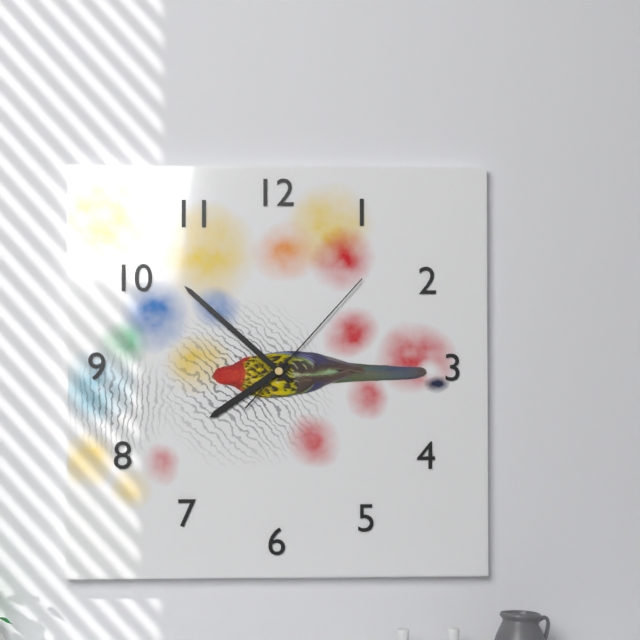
7.52.07
